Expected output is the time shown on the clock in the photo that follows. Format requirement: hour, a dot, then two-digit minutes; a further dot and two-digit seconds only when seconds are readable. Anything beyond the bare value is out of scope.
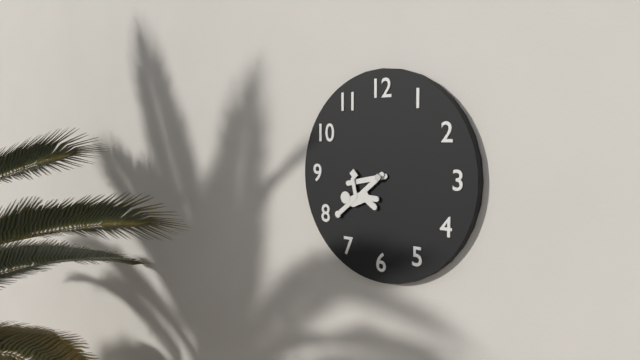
8.38
